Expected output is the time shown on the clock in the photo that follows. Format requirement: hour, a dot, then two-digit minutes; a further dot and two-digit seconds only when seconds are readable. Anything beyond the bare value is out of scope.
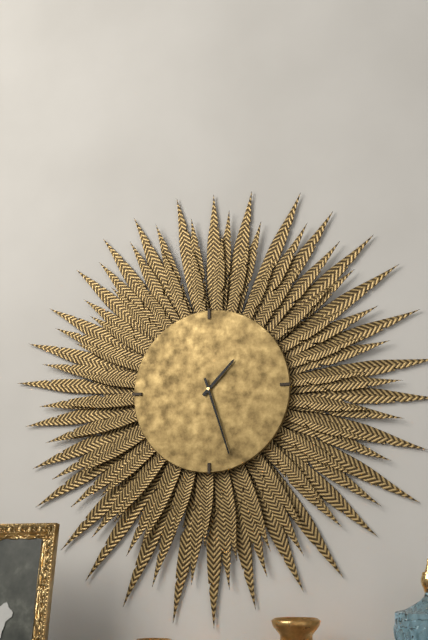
1.27
